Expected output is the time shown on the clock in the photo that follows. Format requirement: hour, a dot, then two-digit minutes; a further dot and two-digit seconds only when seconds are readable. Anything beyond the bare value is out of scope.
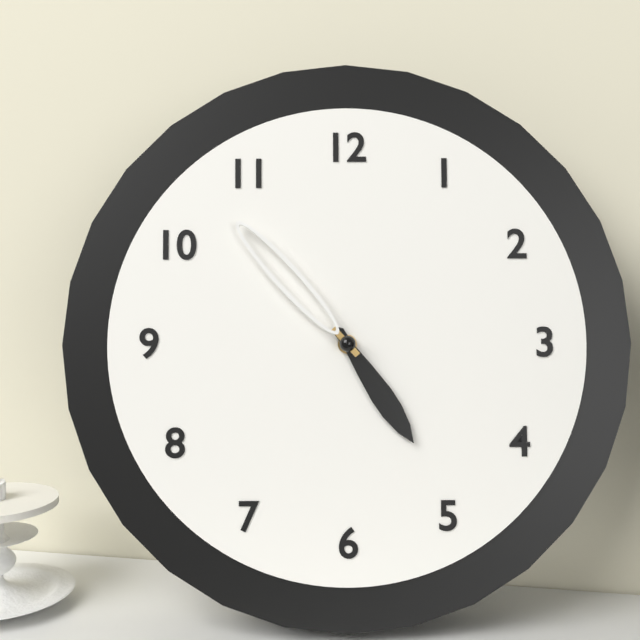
4.53
